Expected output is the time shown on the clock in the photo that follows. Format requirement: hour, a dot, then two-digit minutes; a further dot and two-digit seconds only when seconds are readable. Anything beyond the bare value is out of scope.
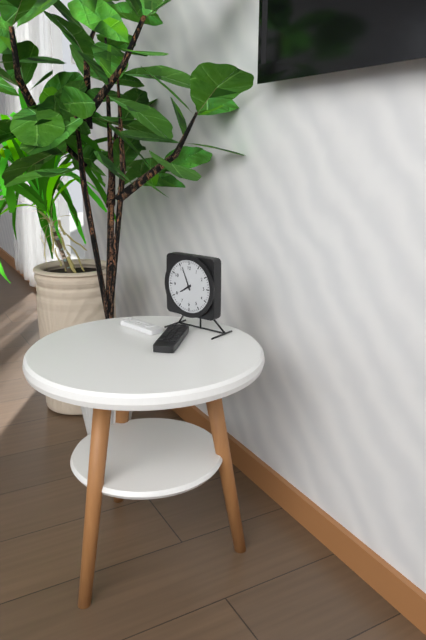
7.56
